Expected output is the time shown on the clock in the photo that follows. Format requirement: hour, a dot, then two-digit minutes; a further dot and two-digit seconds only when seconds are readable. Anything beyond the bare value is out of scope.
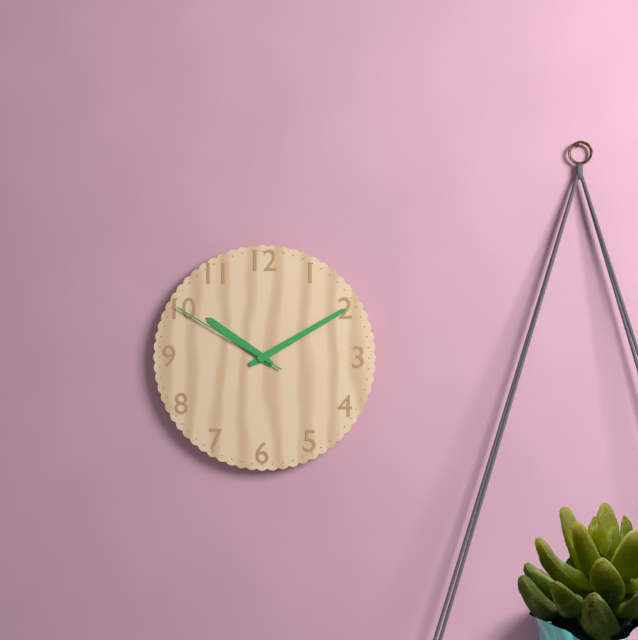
10.10.50
